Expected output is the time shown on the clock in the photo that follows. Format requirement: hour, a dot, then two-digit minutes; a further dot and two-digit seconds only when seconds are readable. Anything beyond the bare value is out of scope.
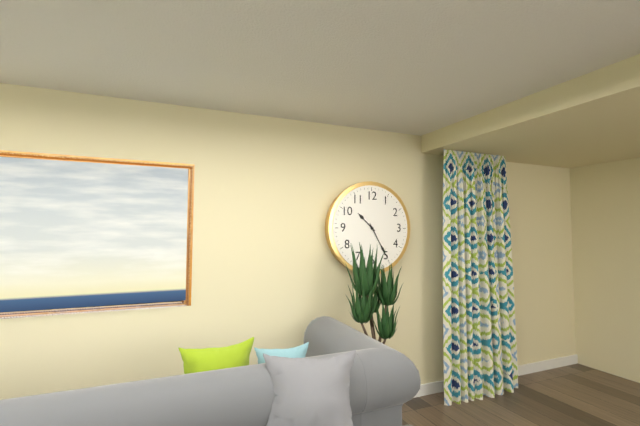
10.25
